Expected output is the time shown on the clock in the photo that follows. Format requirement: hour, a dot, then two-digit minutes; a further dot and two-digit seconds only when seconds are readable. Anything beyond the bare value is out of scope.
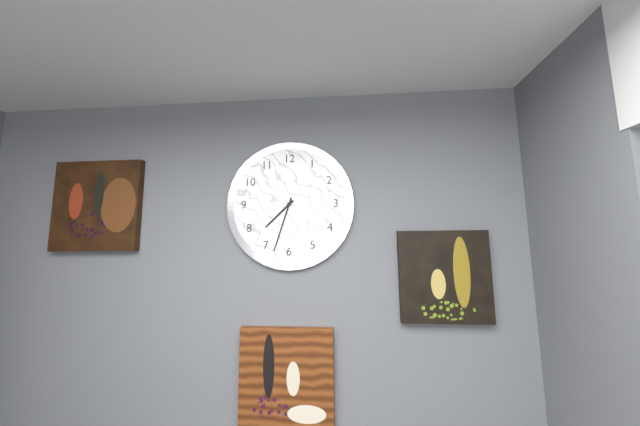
7.33
